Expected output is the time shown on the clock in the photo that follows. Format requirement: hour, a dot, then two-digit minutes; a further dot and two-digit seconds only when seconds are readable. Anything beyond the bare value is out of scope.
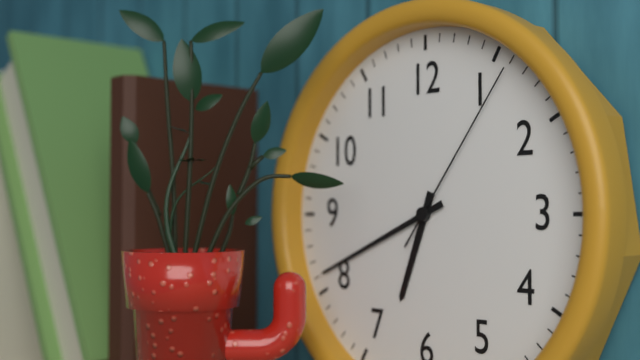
6.41.06
